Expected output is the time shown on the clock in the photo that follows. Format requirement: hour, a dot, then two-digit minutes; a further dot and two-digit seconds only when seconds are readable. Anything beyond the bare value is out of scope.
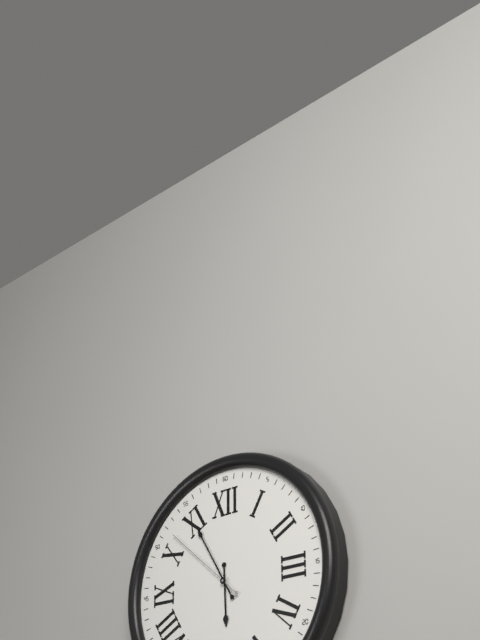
5.55.52
